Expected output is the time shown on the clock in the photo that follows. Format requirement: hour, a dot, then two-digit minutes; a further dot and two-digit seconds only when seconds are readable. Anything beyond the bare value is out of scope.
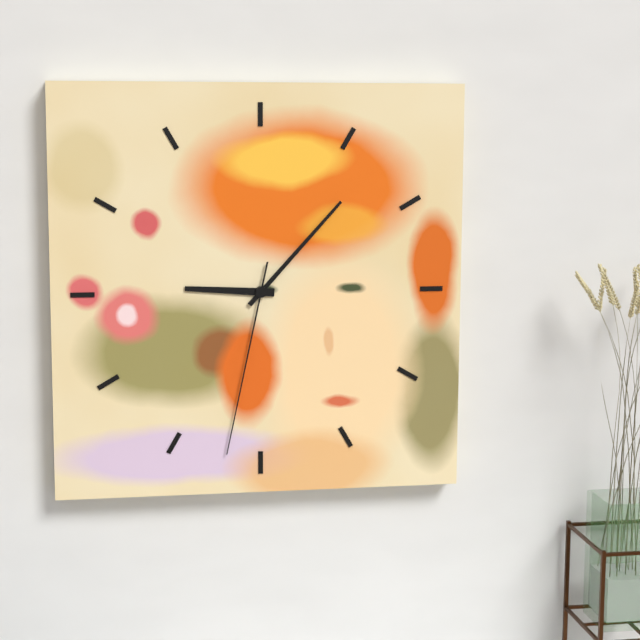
9.07.32
